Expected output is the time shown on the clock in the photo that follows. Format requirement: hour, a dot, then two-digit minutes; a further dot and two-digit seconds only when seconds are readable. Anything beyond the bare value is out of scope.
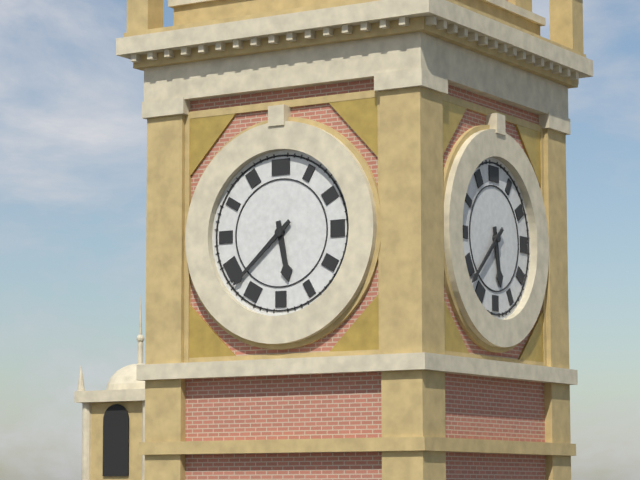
5.38
